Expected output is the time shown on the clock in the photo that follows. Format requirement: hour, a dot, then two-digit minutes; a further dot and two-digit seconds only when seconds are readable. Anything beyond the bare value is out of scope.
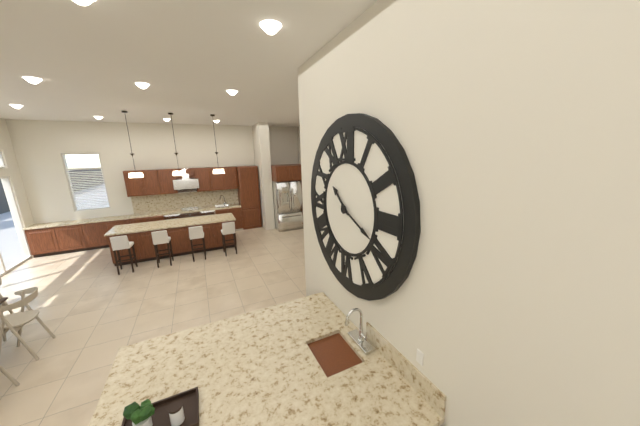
10.19
